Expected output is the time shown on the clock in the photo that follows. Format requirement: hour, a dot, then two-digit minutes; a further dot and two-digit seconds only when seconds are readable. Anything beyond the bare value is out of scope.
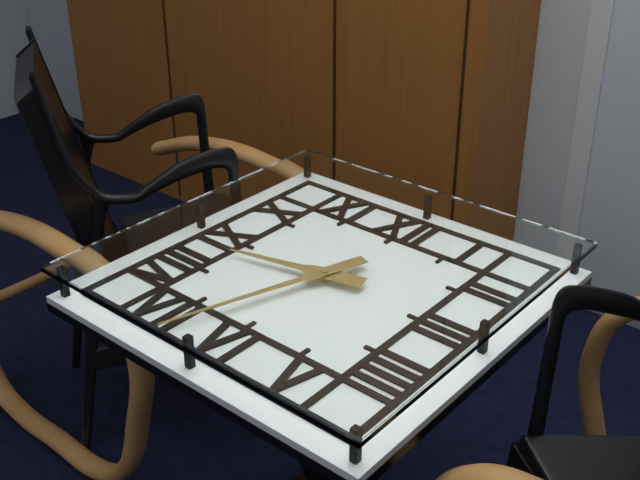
8.33
